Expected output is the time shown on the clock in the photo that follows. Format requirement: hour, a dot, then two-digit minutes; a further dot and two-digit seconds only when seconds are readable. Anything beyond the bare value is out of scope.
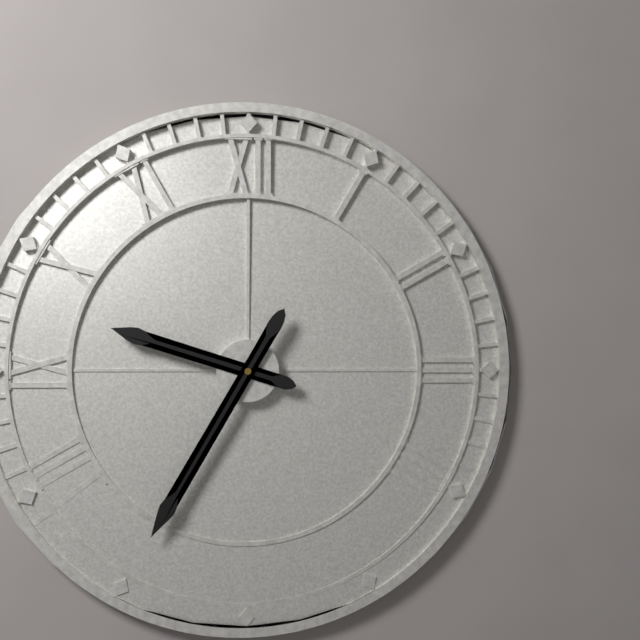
9.35
